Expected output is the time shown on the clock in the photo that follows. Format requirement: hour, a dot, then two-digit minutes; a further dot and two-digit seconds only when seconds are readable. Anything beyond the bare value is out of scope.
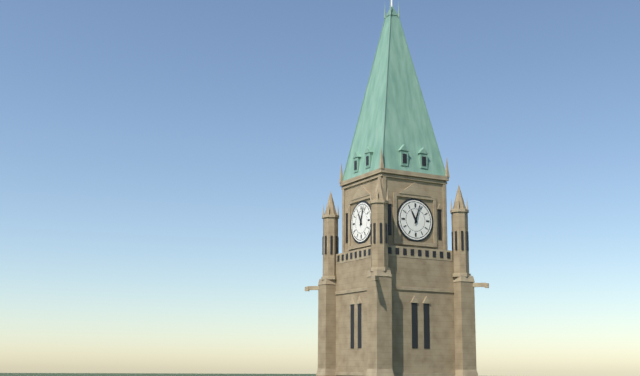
11.03
